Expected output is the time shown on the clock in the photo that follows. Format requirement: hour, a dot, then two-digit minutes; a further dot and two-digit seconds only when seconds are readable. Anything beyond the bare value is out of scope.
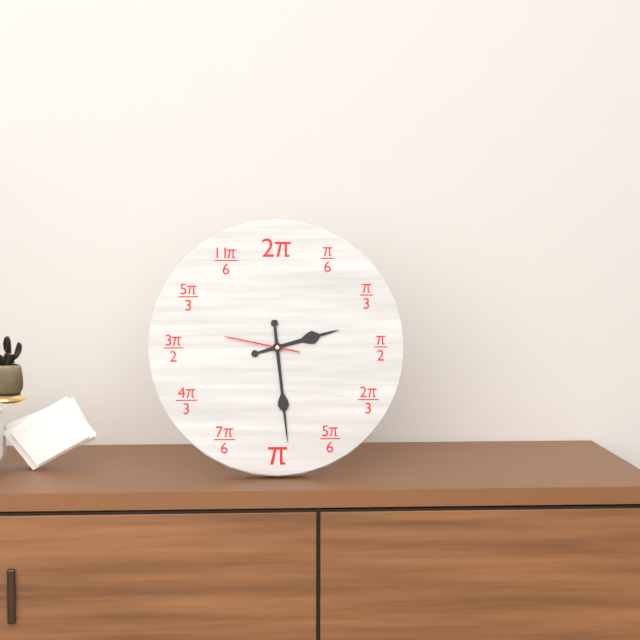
2.29.47
